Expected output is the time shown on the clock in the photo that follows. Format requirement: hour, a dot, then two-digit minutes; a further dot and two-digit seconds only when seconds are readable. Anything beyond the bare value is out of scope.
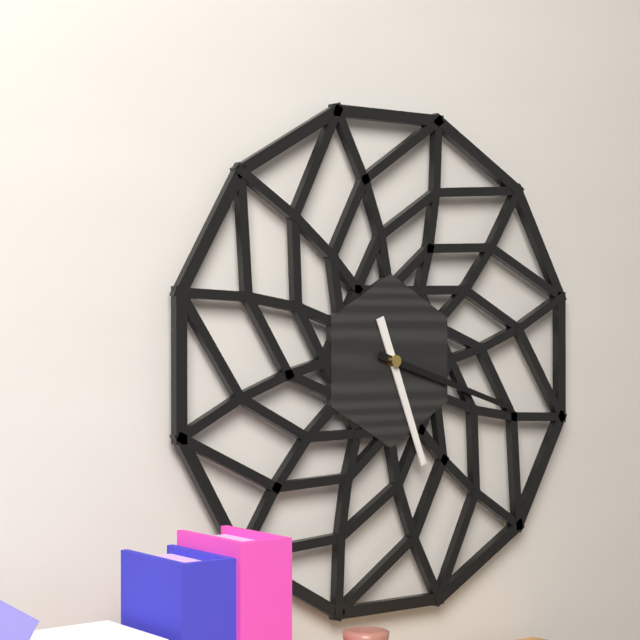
5.18
